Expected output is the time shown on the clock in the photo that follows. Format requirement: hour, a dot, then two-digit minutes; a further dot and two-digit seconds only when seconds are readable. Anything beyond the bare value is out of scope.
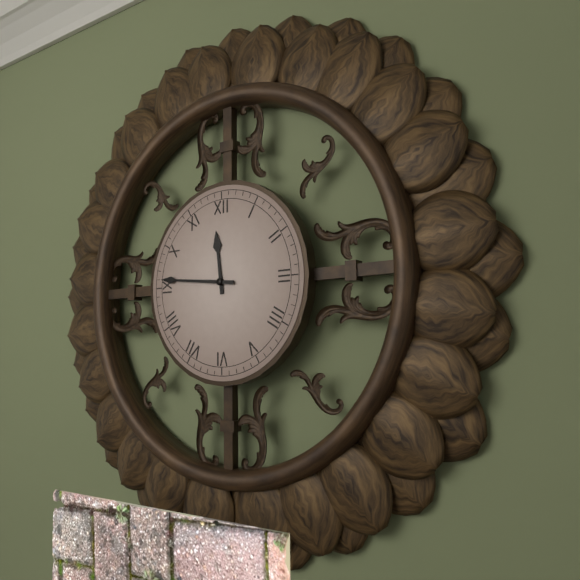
11.46
